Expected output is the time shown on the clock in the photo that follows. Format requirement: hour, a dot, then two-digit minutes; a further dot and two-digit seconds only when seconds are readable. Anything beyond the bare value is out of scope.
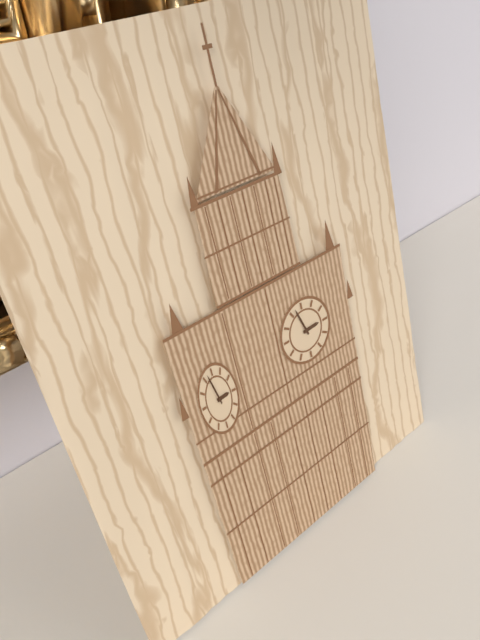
2.57
